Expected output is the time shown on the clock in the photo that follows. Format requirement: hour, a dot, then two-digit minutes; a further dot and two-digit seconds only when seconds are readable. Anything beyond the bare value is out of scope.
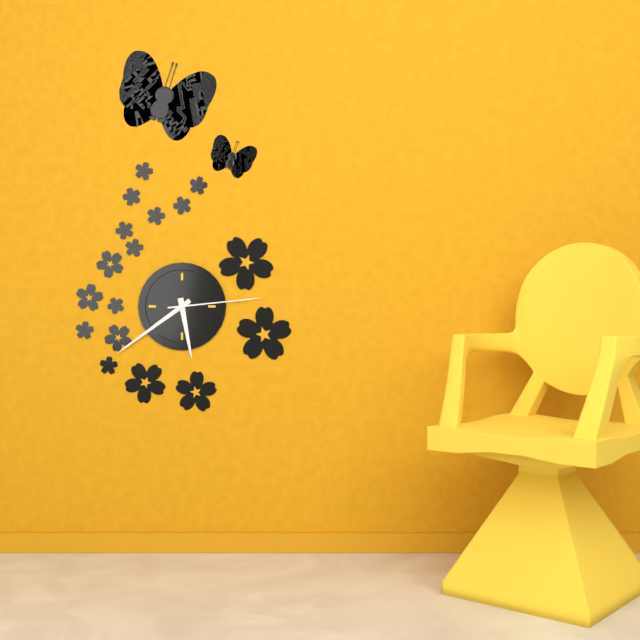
5.39.14
